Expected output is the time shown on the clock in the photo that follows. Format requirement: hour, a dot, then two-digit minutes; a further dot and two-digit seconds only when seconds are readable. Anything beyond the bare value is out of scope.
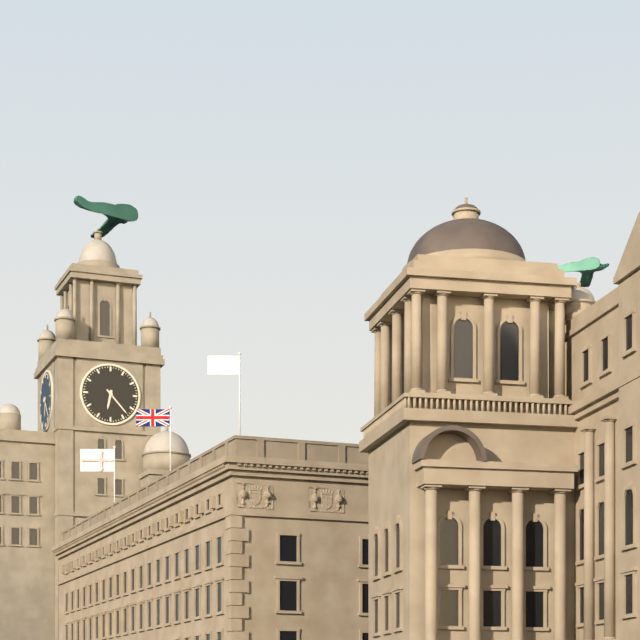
6.23
